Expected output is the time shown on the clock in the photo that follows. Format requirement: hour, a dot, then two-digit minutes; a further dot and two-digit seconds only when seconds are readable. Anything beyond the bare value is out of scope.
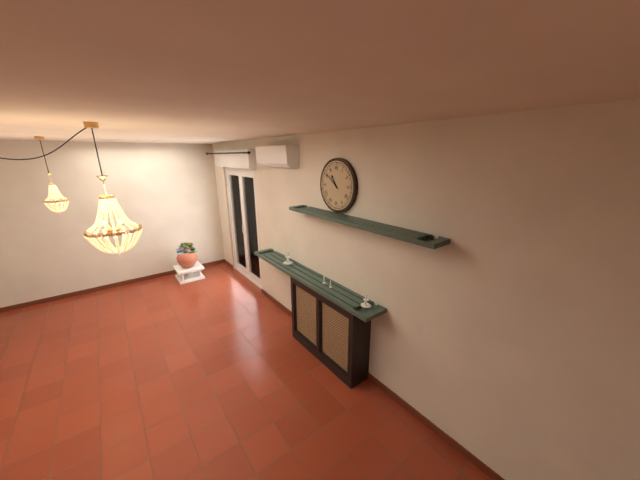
10.51
